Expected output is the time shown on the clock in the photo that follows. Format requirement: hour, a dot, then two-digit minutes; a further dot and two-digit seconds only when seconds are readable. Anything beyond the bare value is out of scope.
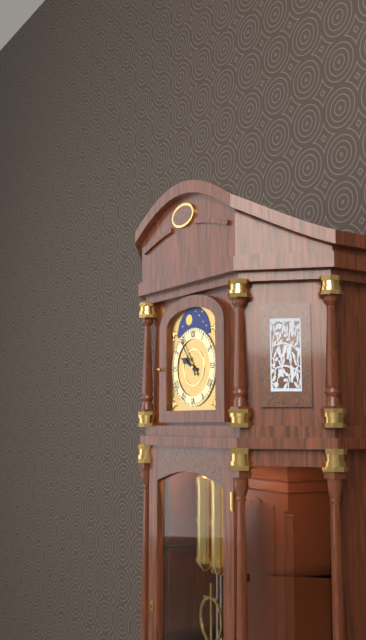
9.54
